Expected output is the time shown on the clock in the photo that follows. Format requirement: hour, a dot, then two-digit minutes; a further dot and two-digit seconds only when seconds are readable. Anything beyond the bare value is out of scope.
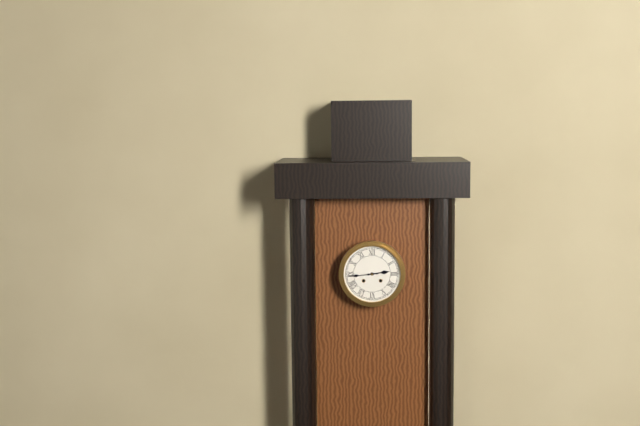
2.44
